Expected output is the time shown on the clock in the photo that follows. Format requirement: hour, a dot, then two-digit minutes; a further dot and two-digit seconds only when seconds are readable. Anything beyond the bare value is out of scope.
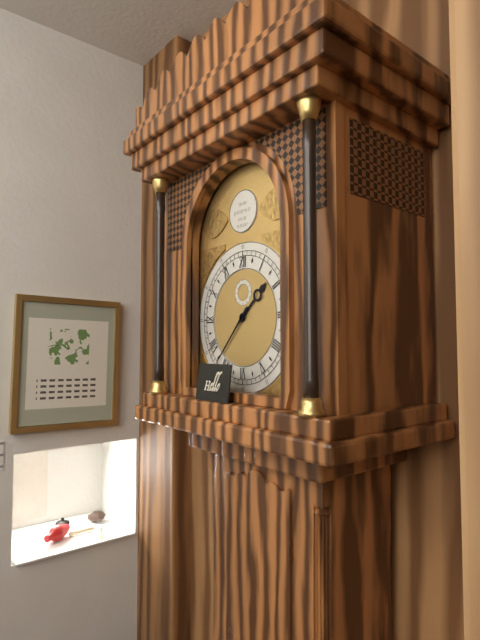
1.37
